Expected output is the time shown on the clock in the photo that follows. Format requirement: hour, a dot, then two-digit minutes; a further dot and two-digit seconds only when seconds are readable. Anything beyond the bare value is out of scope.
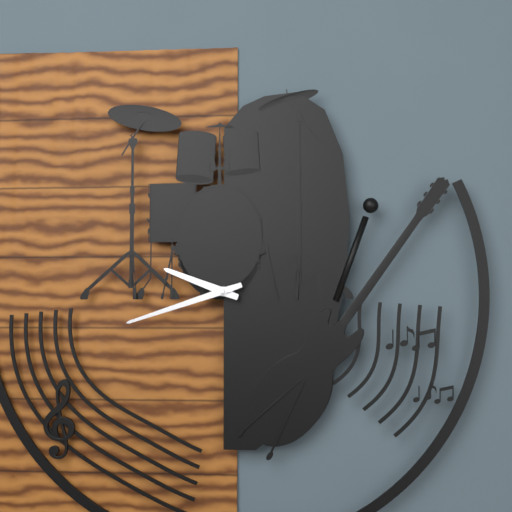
9.42
